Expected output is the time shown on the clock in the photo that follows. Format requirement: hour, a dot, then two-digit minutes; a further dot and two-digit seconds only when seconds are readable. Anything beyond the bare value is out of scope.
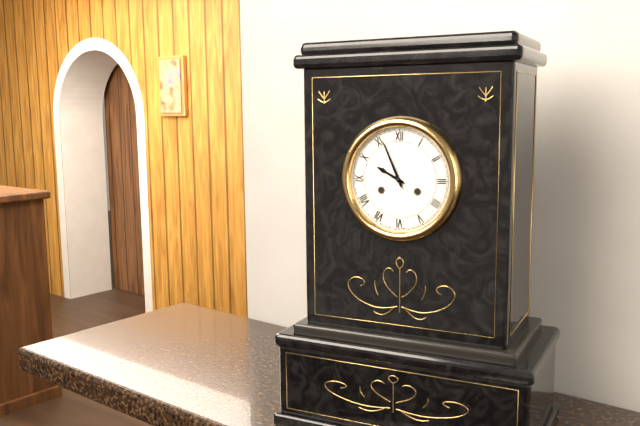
9.56
